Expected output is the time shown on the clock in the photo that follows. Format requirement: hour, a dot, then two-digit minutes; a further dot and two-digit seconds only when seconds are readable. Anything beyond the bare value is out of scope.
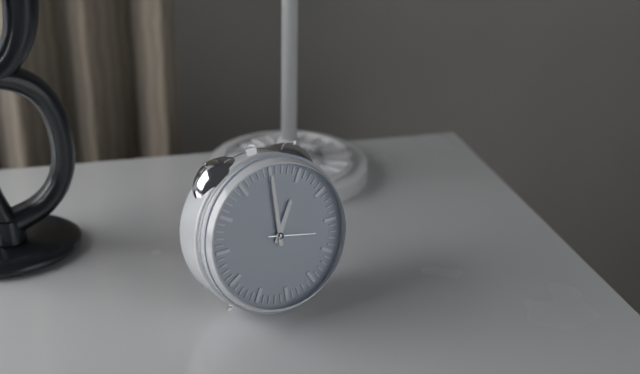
1.00
